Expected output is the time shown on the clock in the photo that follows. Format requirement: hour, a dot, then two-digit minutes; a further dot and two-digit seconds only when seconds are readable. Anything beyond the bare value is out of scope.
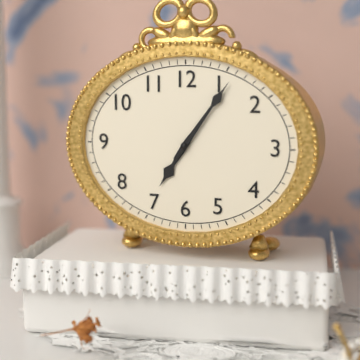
7.06
